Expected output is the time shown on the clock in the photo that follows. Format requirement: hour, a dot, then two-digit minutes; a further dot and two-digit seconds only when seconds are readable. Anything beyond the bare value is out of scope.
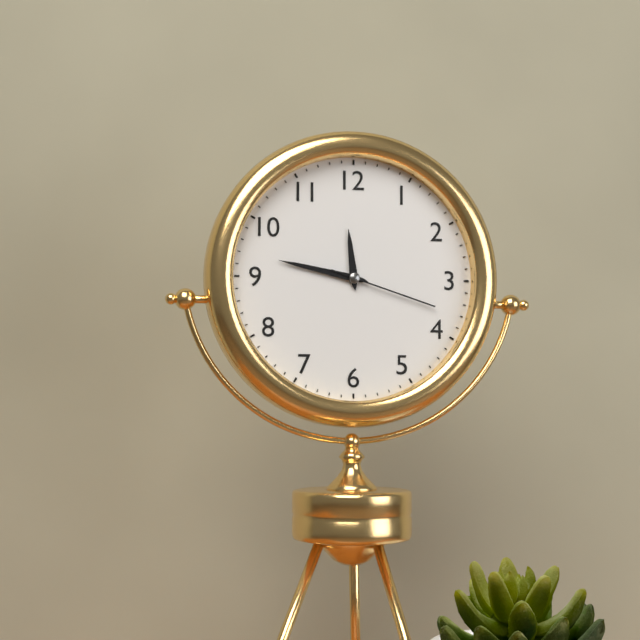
11.47.18
